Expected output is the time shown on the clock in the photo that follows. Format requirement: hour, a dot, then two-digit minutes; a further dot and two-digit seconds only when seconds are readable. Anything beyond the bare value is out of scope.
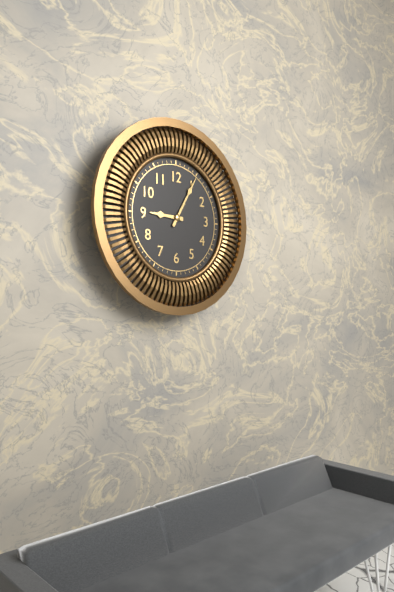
9.05
